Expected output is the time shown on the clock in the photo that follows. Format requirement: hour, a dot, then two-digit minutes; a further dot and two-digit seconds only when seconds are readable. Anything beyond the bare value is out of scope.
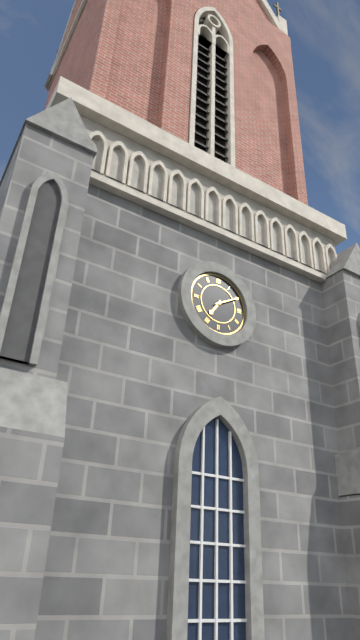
7.10
